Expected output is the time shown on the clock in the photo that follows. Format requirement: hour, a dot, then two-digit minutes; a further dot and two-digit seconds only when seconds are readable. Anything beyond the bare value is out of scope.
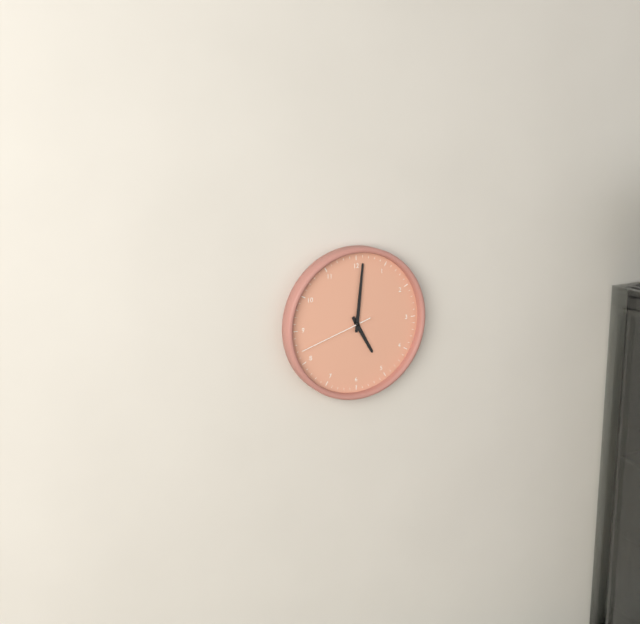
5.01.42
